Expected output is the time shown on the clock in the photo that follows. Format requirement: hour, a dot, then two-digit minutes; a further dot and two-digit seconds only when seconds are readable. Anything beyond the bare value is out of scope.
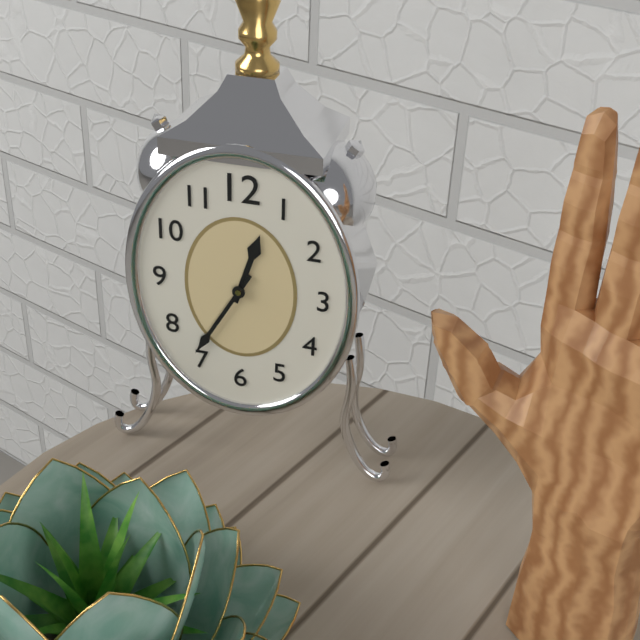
12.35
